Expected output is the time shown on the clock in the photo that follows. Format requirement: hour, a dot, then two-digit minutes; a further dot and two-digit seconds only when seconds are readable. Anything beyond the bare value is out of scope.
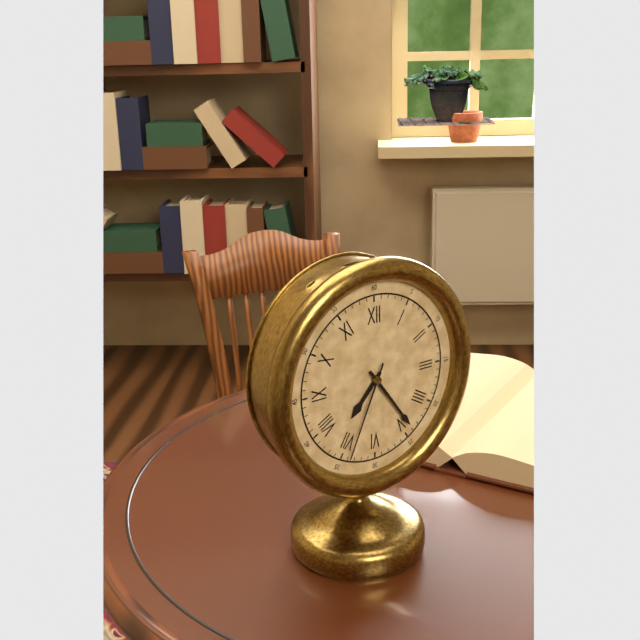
7.24.34
